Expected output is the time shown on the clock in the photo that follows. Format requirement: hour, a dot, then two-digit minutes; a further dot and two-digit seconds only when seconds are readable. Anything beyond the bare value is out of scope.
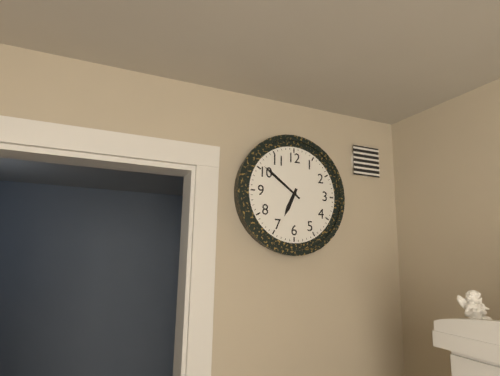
6.51
